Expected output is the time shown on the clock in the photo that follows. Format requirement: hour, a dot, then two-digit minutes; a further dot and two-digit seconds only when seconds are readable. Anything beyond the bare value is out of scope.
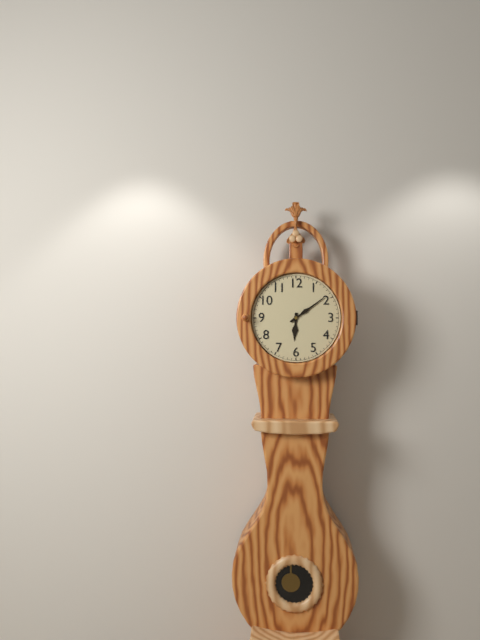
6.09
